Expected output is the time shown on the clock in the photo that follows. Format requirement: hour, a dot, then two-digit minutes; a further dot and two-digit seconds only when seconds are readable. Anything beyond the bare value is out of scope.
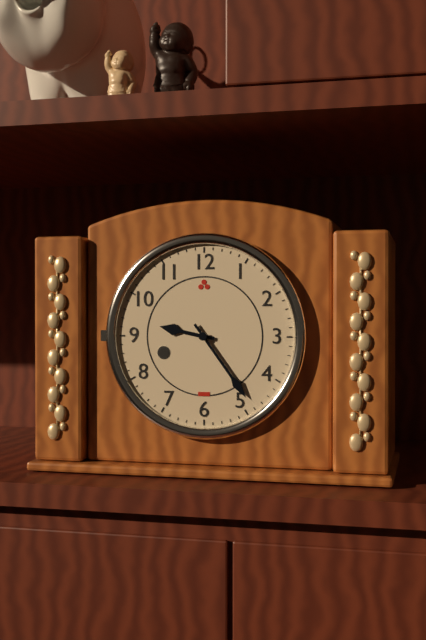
9.24
